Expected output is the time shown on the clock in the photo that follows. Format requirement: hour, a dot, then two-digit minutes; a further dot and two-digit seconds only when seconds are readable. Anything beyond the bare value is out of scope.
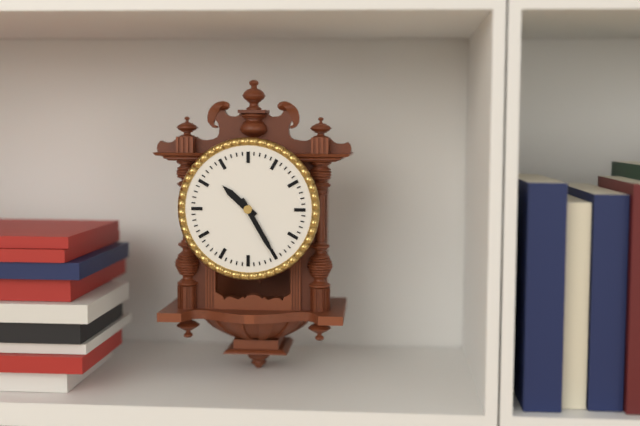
10.25
